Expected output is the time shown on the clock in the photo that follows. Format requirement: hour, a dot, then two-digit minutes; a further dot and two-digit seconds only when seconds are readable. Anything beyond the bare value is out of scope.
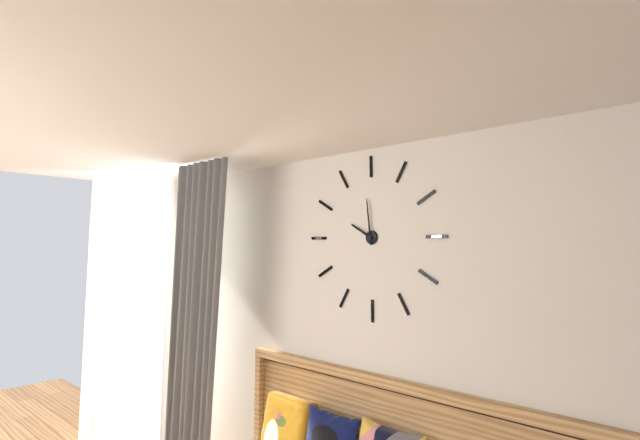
9.59
